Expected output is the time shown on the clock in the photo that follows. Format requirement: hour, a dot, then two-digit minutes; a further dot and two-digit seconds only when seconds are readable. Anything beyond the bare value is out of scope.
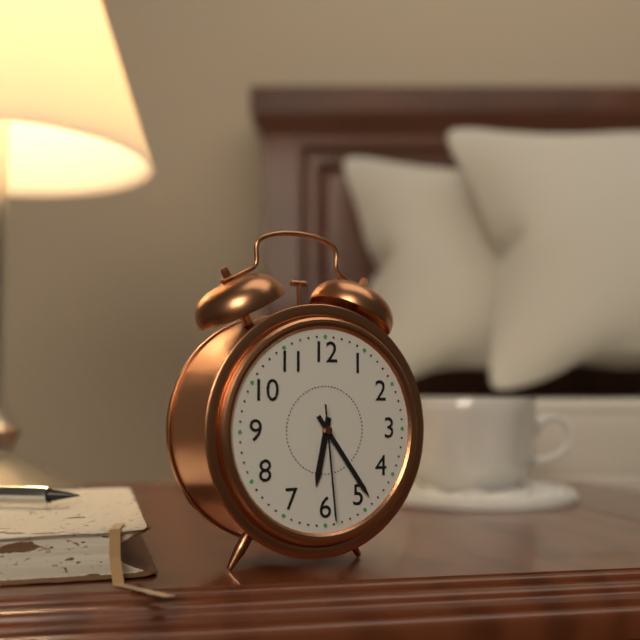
6.24.29
